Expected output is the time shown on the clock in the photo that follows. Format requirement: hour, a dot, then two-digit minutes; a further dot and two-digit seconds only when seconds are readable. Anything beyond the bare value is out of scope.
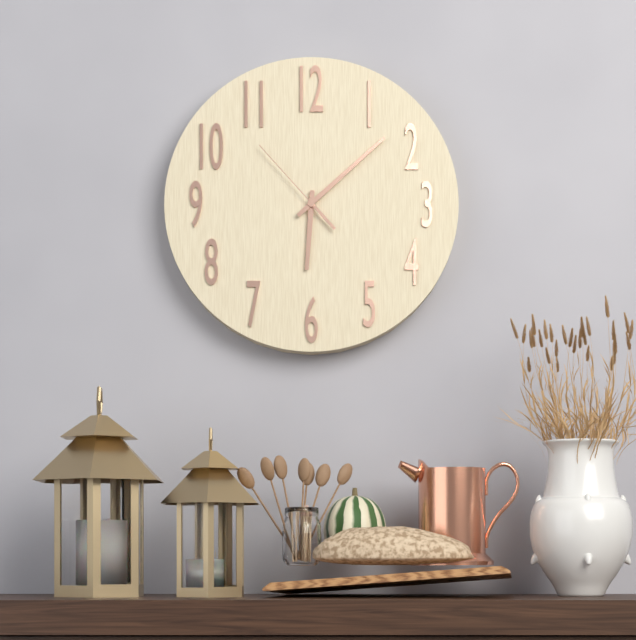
6.08.53
